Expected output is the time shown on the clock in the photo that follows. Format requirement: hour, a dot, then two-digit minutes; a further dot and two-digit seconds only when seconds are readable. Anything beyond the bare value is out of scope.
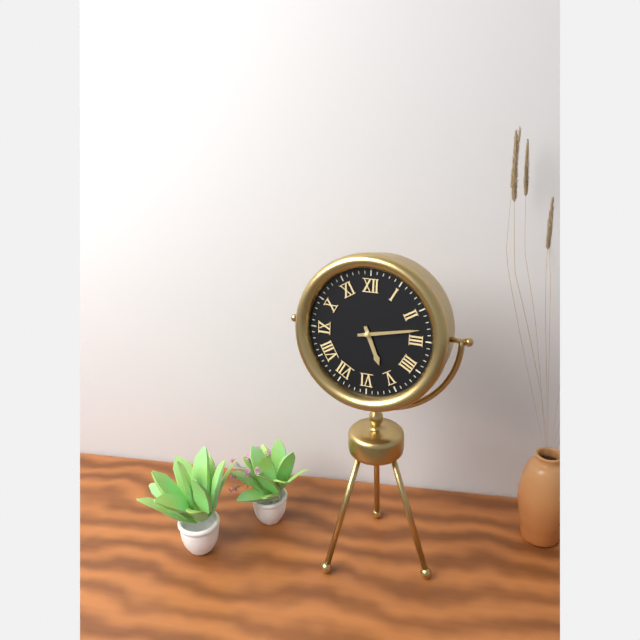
5.13
